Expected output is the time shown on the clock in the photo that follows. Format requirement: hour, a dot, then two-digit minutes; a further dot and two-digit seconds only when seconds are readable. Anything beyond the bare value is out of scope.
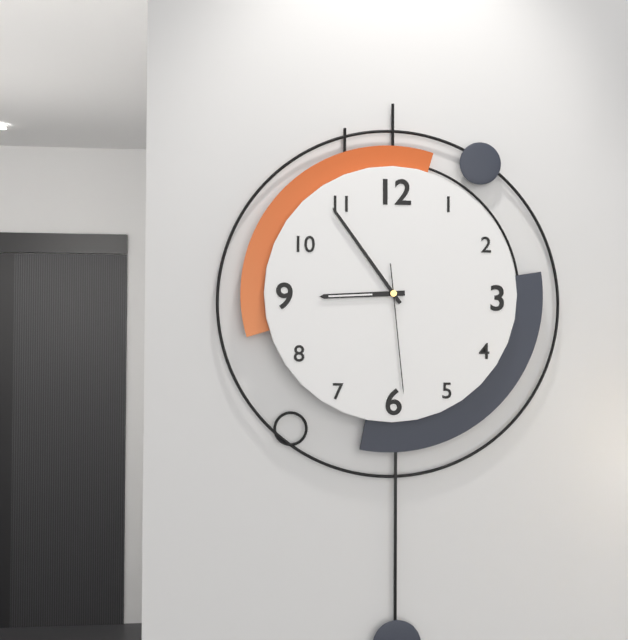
8.54.29
